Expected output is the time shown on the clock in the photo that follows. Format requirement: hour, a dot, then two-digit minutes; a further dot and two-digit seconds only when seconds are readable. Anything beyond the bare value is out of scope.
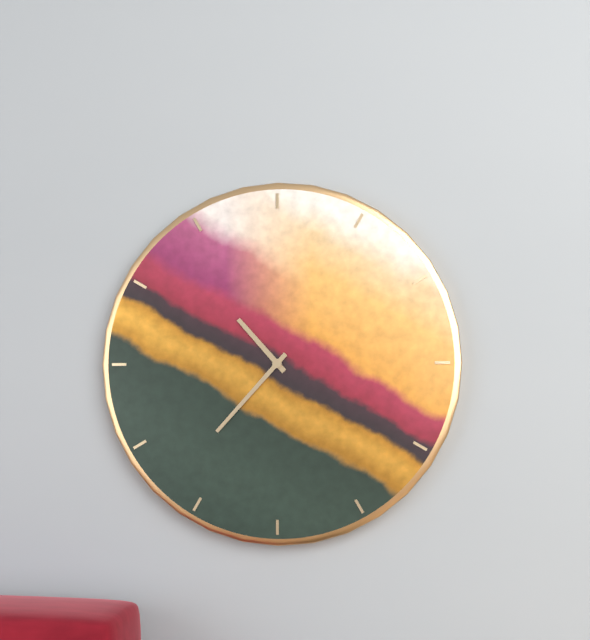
10.37
